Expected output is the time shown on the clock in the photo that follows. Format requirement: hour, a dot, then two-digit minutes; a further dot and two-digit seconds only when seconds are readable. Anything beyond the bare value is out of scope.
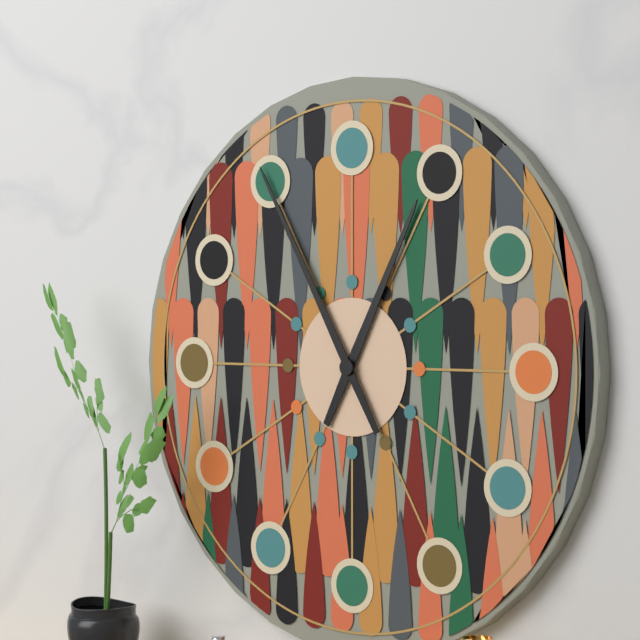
12.55
